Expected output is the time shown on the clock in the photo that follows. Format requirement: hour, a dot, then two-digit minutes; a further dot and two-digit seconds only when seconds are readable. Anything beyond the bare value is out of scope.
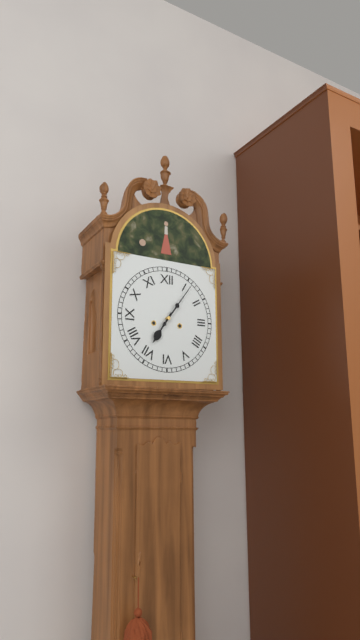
7.06
